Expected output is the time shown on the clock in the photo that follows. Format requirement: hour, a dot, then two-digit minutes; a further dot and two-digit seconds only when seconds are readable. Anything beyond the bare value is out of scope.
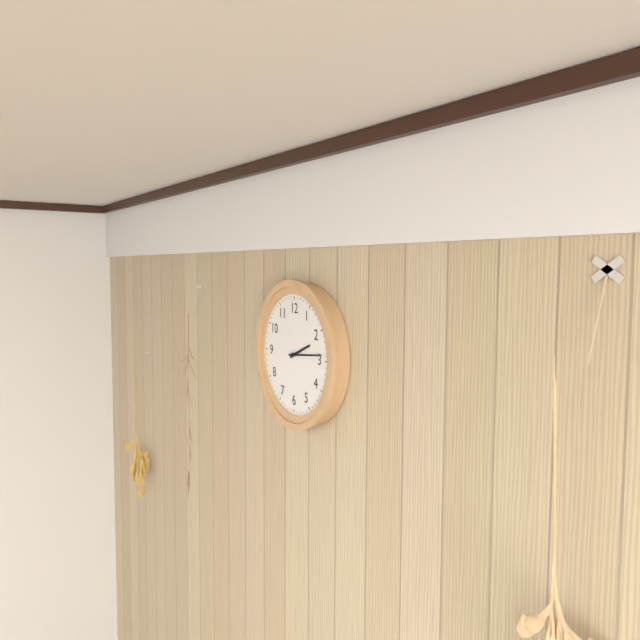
2.14
